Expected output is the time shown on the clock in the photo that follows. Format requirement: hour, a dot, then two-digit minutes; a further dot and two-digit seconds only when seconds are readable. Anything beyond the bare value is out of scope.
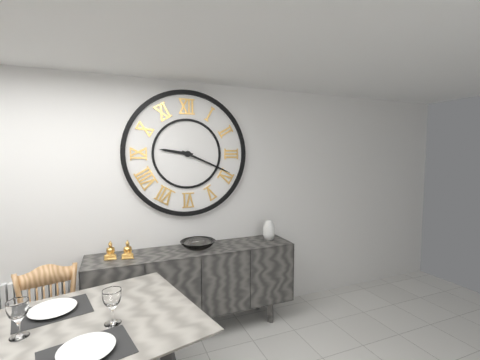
9.19
